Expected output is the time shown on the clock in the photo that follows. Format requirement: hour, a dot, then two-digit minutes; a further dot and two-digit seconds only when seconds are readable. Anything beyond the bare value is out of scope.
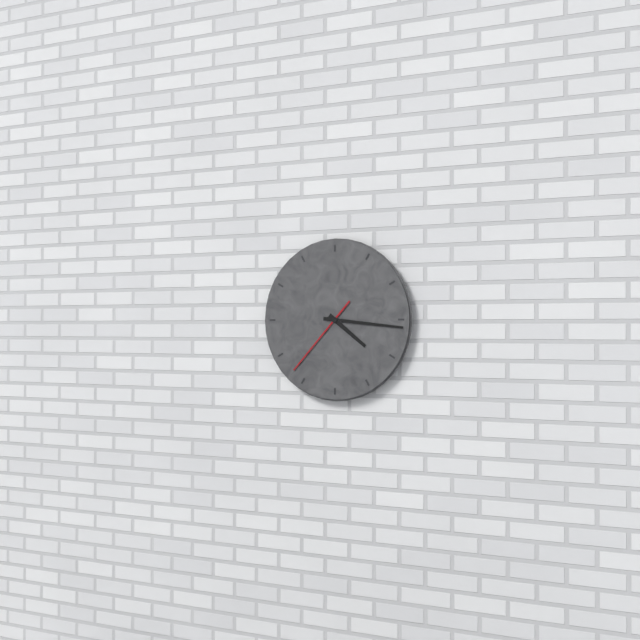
4.16.37
